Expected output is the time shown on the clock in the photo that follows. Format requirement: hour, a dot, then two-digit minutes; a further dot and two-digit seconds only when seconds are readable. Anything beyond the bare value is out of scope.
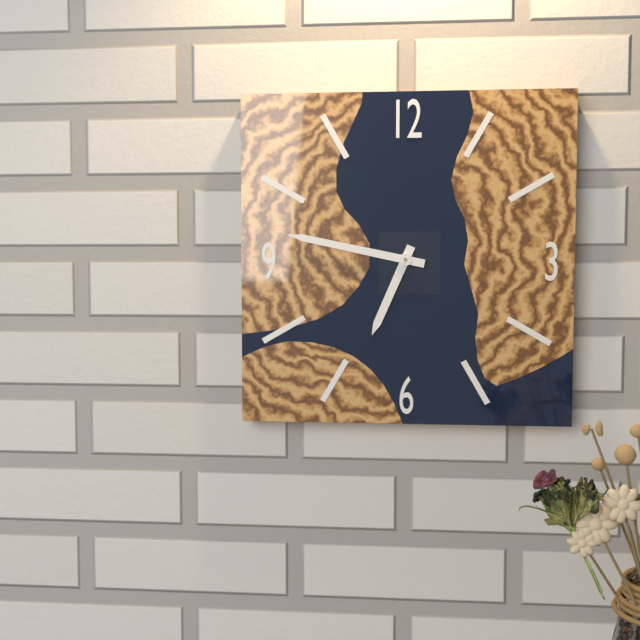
6.47
